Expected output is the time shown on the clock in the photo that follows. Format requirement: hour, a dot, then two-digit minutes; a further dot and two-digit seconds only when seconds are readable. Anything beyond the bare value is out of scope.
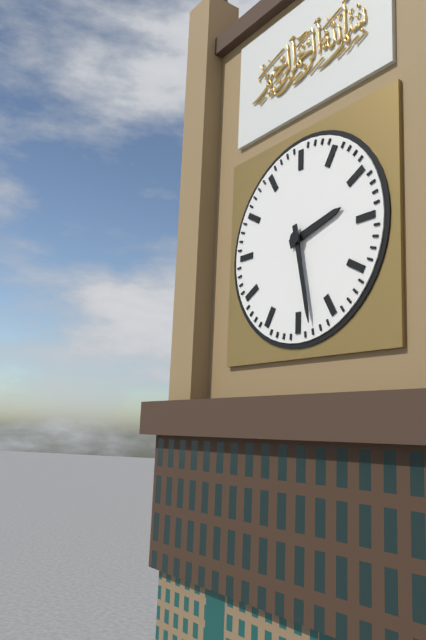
2.28
